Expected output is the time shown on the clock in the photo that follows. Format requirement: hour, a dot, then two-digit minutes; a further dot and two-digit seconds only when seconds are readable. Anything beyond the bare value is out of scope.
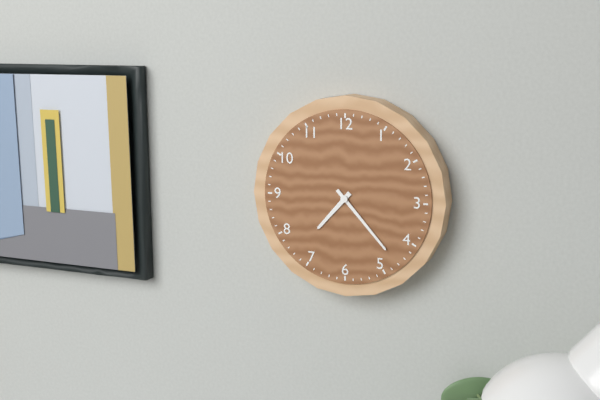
7.23
